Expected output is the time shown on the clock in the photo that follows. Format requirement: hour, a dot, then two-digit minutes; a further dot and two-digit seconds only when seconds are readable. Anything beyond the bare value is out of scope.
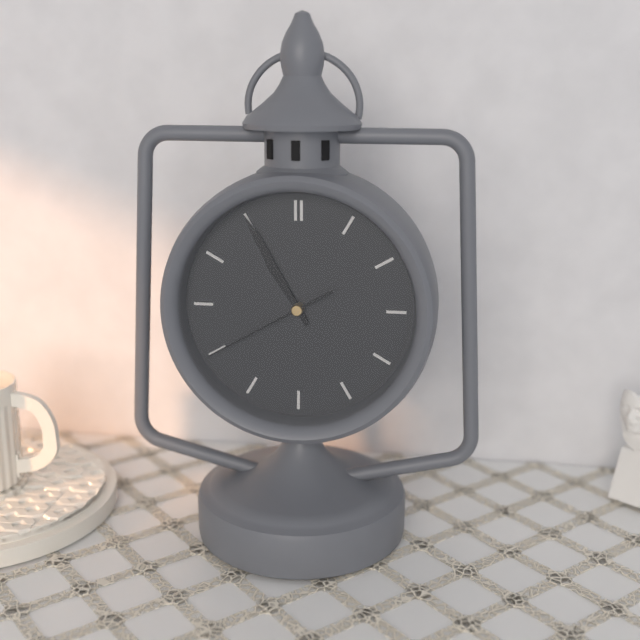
10.55.40
